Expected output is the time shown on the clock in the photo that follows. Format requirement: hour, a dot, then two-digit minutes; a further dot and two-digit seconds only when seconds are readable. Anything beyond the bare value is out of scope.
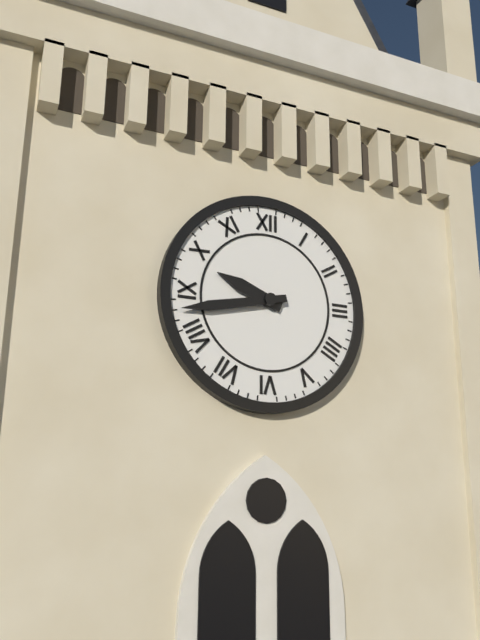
9.43
